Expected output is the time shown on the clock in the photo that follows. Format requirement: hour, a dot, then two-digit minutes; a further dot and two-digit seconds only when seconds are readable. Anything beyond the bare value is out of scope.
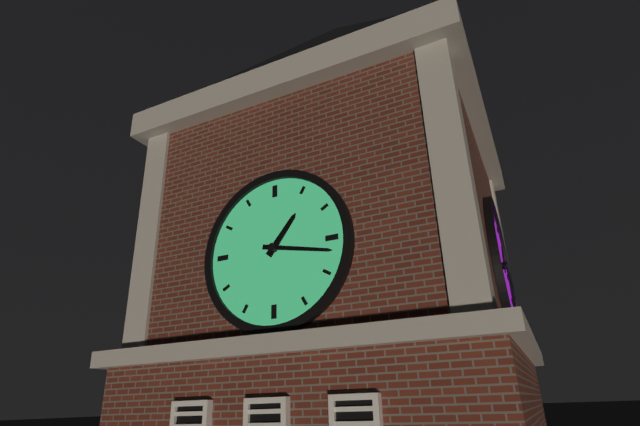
1.17
